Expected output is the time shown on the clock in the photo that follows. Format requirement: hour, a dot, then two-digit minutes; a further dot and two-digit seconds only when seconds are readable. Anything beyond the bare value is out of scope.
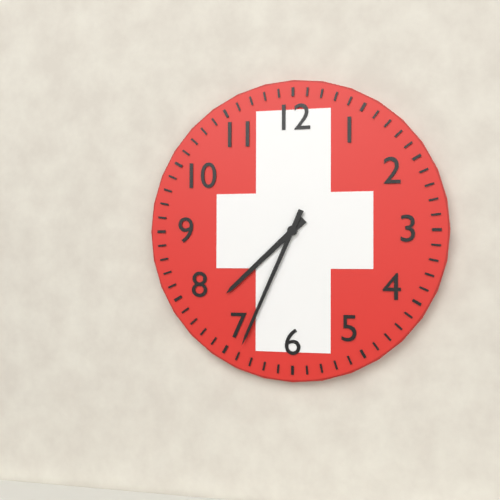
7.34
